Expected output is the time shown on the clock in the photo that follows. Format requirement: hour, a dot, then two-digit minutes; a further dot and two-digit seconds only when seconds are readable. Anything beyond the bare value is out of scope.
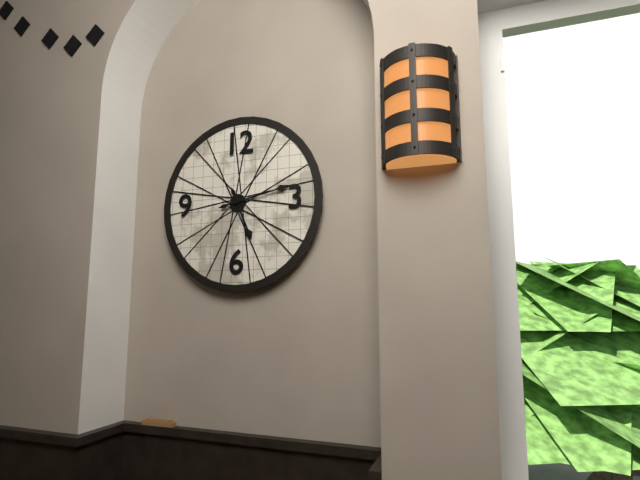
5.13
